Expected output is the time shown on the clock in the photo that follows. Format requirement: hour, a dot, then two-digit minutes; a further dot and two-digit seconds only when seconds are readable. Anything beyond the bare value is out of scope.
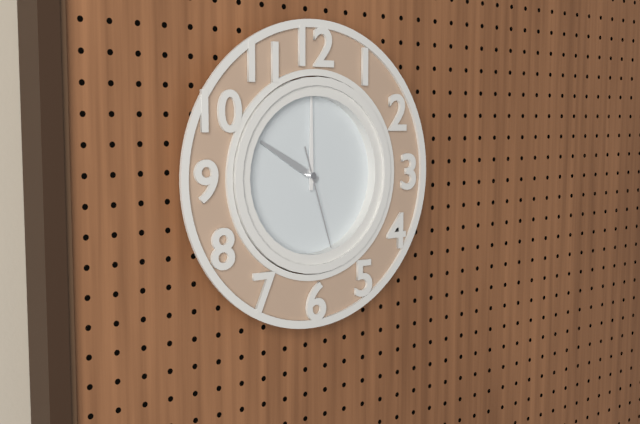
10.00.27
